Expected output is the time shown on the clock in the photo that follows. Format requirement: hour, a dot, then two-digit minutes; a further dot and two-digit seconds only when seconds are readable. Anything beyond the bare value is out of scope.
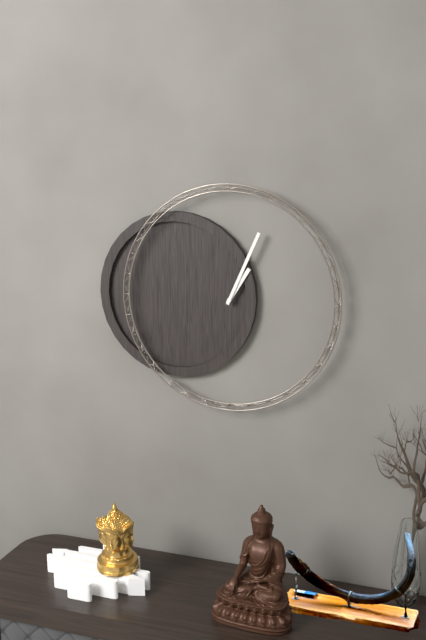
1.04
